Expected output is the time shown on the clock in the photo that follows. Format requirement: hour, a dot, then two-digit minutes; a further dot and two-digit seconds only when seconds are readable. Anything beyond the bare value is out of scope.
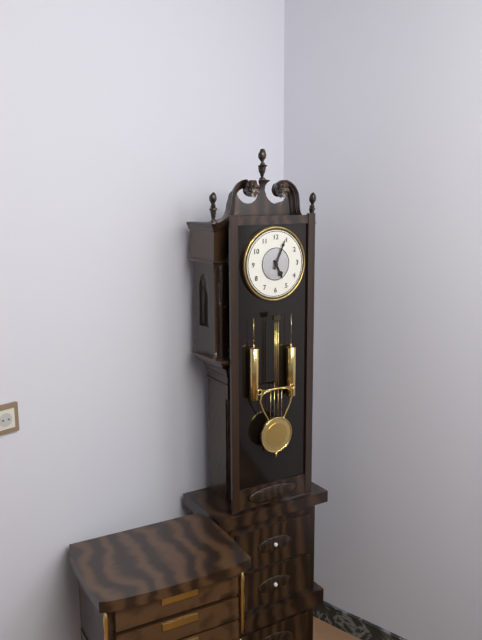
5.04
